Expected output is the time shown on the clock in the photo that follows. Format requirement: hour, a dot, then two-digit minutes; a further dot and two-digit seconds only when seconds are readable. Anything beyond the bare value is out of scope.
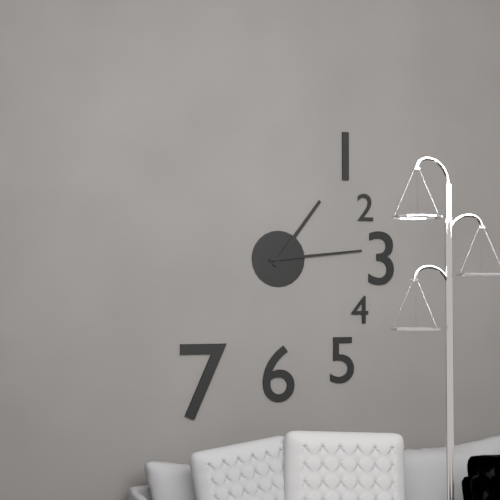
1.14
